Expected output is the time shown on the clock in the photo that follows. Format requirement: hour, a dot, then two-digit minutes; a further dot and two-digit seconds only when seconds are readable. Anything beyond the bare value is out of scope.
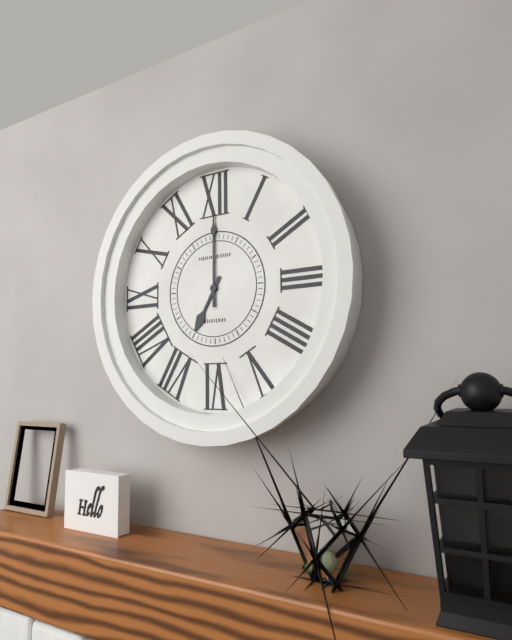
7.00
